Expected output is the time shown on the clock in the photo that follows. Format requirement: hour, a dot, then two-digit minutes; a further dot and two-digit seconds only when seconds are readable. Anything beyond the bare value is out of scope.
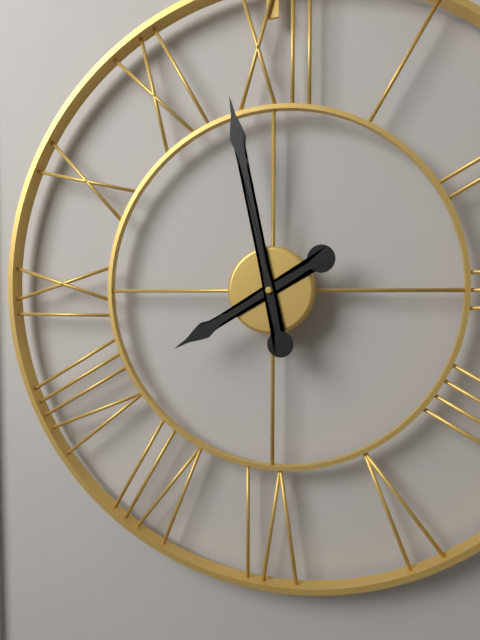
7.58
